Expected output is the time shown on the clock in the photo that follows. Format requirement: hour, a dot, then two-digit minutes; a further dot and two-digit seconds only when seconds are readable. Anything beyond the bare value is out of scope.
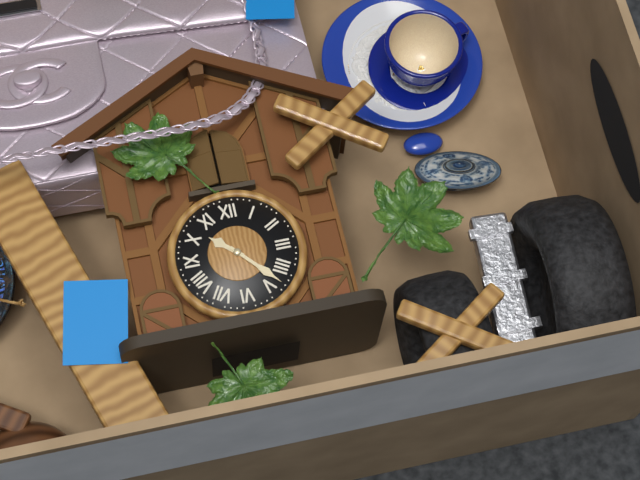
10.23
